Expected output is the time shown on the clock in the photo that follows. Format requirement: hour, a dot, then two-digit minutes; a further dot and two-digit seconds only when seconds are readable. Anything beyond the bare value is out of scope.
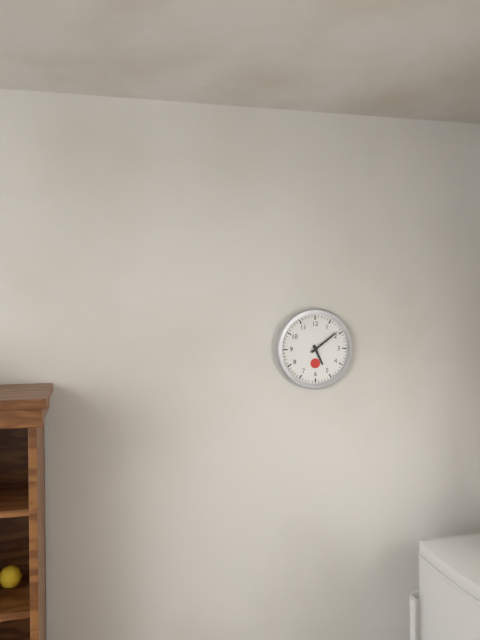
5.09
